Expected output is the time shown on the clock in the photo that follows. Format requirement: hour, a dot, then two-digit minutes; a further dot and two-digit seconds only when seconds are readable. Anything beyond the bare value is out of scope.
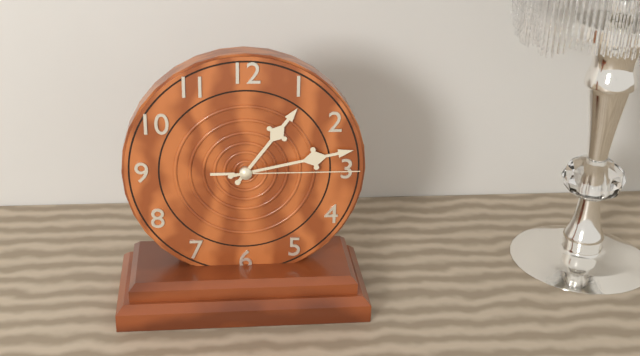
1.13.15
